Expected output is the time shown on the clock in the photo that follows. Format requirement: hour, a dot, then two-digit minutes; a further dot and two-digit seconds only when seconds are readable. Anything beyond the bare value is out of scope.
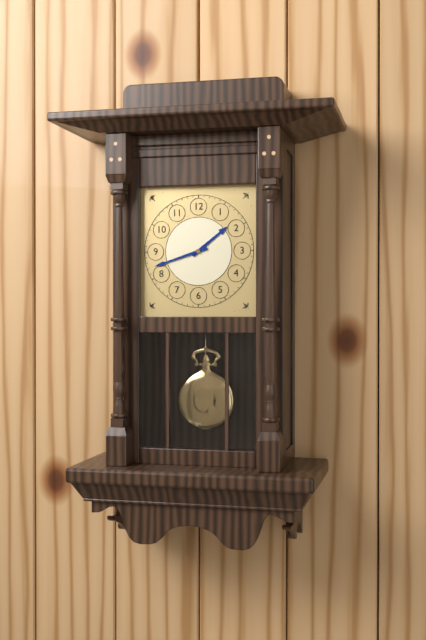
1.42
